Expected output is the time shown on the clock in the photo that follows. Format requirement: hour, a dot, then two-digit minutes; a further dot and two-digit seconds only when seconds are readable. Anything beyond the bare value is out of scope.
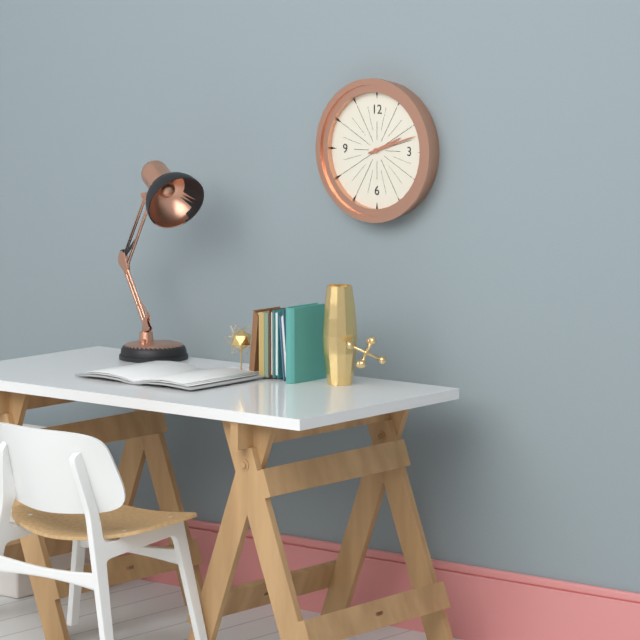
2.12
